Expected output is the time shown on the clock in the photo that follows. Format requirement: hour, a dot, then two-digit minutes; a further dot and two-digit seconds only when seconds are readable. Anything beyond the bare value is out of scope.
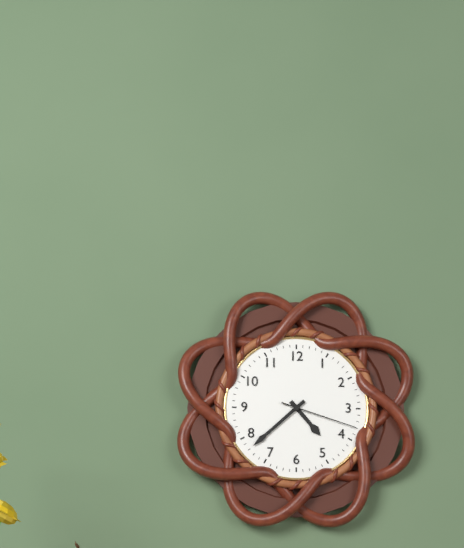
4.38.18
